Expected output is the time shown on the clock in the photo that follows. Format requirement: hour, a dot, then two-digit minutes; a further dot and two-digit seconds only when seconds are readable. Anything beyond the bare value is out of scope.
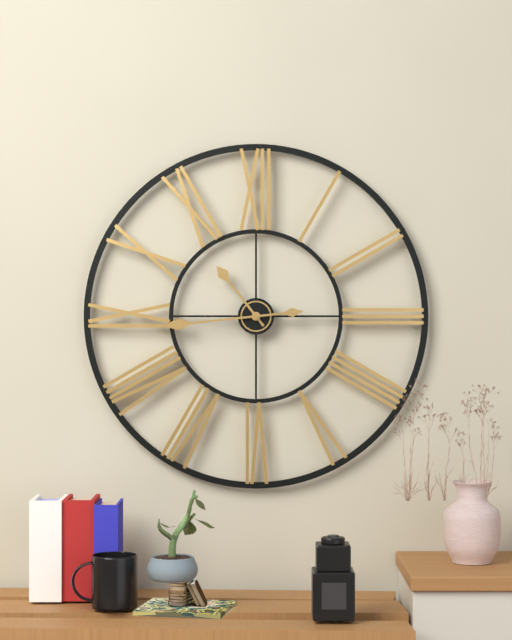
10.44
